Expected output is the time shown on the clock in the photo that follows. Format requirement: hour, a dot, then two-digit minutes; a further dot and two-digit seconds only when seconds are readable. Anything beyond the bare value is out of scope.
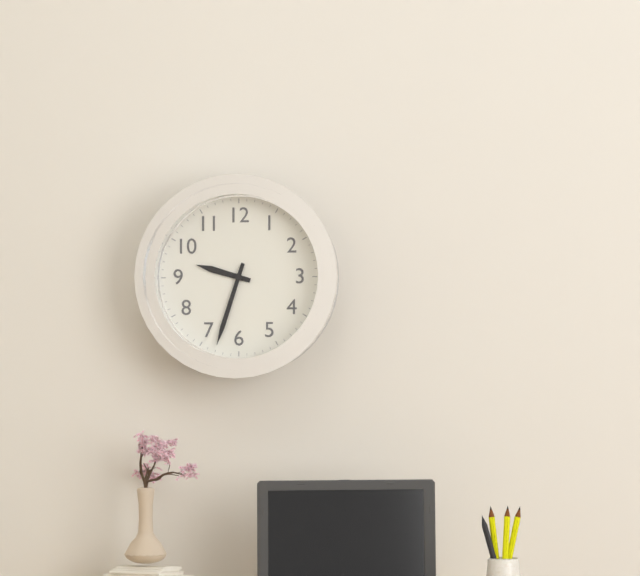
9.33
